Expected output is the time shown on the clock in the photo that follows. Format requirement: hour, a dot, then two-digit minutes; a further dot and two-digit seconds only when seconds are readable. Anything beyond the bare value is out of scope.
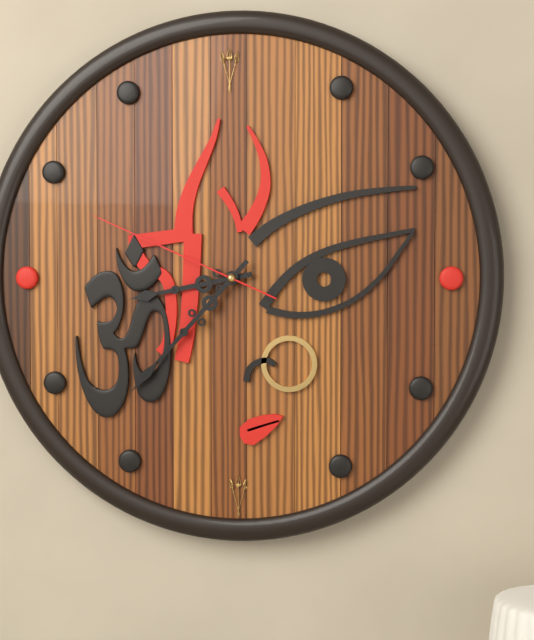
8.37.49
